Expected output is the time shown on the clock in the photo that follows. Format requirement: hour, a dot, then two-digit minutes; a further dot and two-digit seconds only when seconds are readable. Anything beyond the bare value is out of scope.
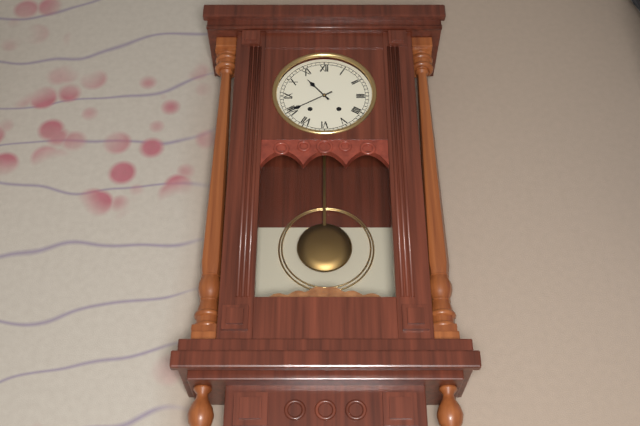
10.40
